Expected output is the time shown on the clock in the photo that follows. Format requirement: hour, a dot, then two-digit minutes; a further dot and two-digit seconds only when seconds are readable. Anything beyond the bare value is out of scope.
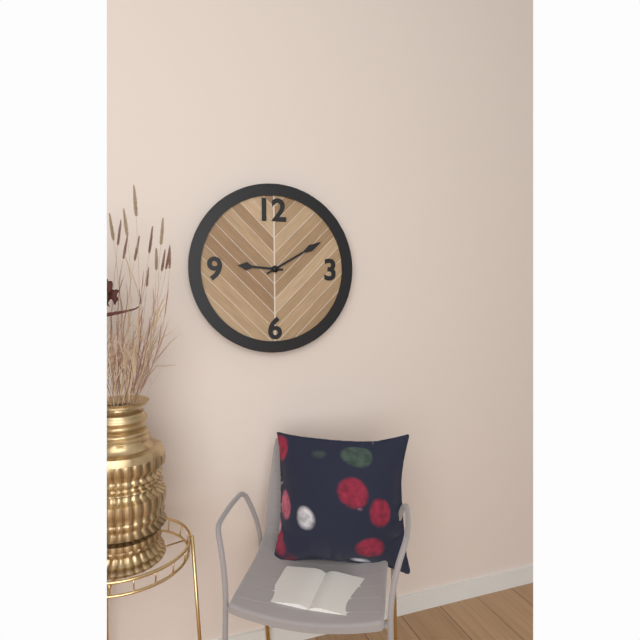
9.10
